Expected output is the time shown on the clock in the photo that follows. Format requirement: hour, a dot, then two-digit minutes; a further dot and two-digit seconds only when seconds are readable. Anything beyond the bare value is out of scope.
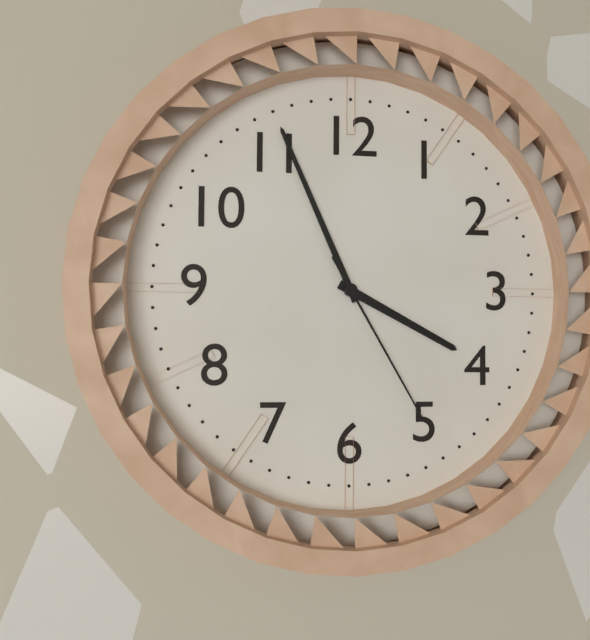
3.56.25
